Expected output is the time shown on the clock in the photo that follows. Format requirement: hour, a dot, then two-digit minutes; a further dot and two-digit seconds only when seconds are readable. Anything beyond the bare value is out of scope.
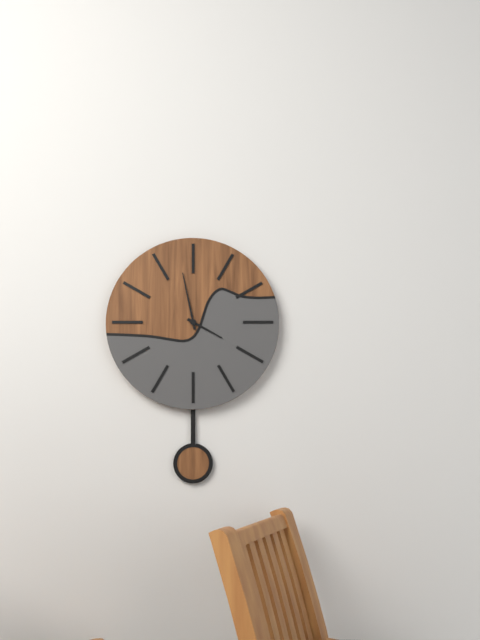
3.58
